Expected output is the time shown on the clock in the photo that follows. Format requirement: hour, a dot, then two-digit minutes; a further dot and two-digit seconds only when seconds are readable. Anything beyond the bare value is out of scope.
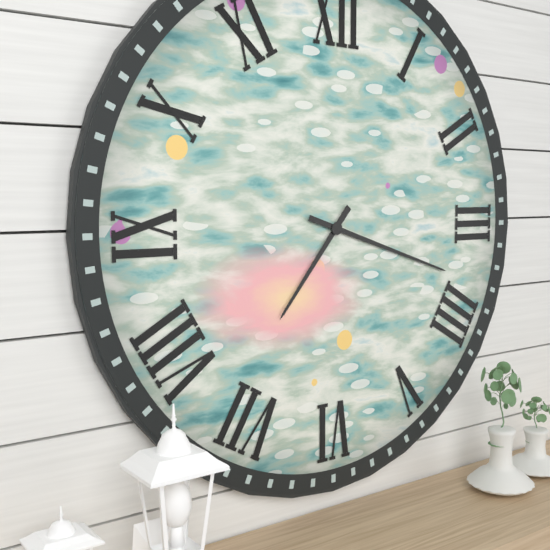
7.18
